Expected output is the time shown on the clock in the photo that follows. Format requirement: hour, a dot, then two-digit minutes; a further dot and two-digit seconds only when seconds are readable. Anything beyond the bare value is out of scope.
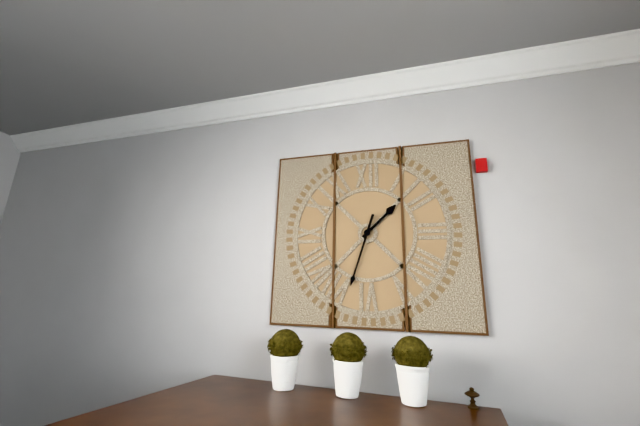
1.33
